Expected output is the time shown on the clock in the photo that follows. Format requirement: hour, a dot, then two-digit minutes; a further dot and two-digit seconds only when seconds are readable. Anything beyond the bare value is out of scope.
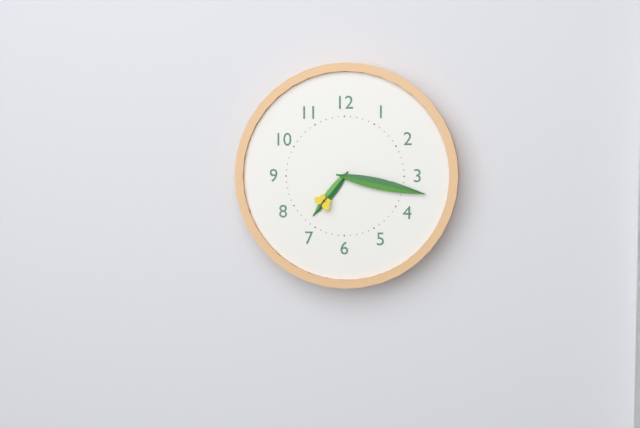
7.17
